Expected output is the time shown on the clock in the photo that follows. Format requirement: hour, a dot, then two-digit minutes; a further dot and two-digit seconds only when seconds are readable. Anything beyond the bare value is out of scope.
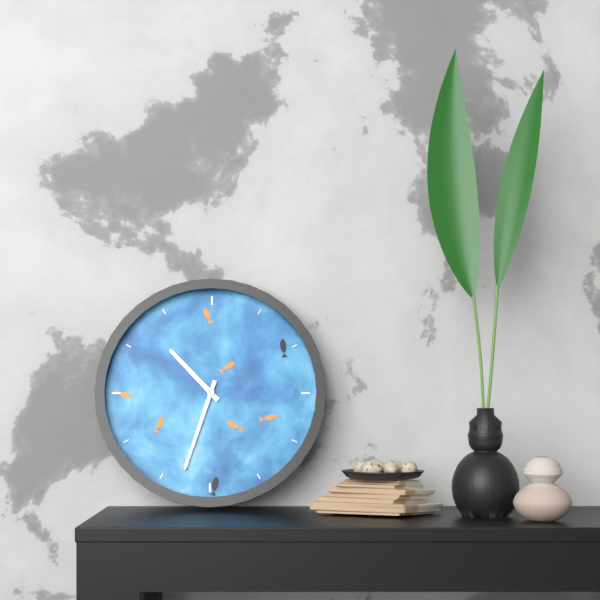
10.33
